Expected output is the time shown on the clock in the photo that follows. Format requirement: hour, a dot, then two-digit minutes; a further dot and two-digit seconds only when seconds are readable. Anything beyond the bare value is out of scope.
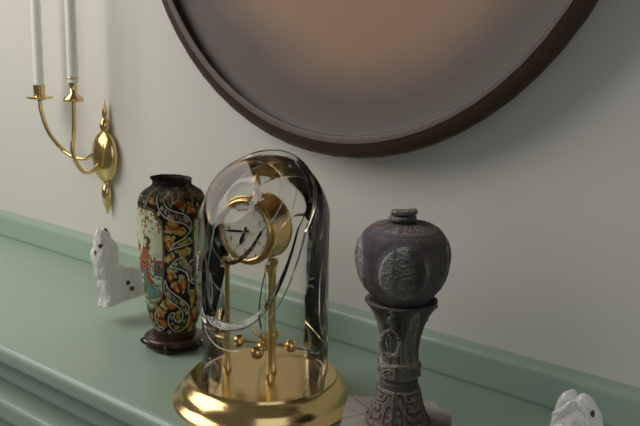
6.44
